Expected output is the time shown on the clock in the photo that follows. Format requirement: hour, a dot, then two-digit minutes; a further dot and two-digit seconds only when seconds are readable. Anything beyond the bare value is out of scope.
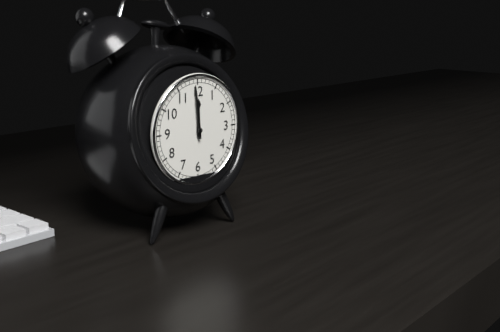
11.59
